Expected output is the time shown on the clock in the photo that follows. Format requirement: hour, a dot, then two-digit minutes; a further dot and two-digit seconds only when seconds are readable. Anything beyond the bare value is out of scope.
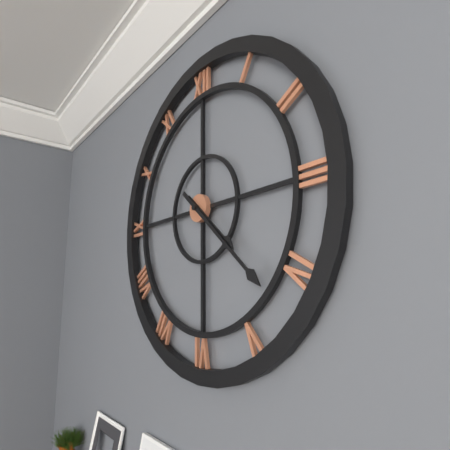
4.22
